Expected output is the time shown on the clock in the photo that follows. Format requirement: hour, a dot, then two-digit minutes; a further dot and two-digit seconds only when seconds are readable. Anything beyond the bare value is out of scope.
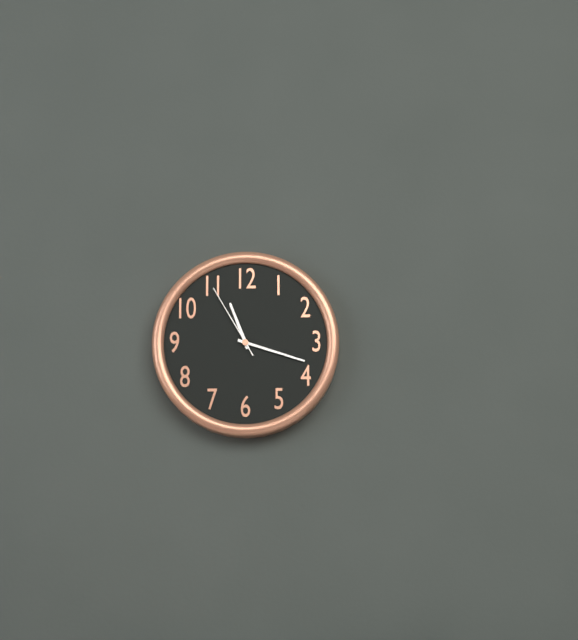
11.18.55
